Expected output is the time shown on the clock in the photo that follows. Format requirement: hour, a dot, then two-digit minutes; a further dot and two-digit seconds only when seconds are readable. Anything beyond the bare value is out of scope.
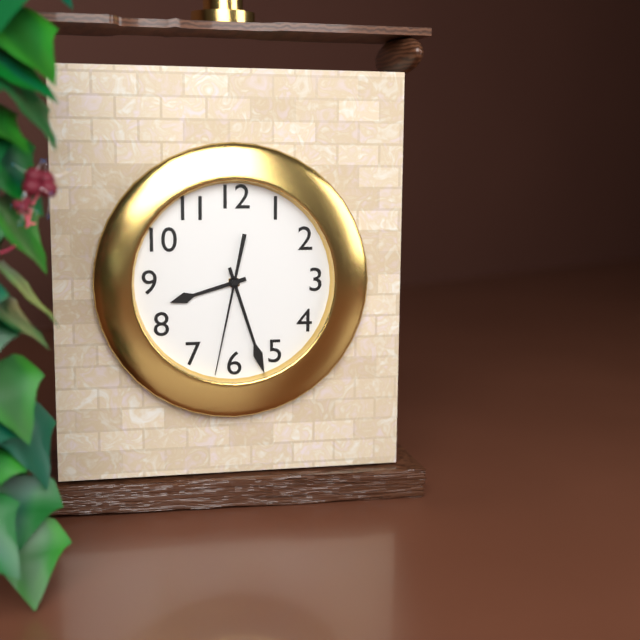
8.27.32
